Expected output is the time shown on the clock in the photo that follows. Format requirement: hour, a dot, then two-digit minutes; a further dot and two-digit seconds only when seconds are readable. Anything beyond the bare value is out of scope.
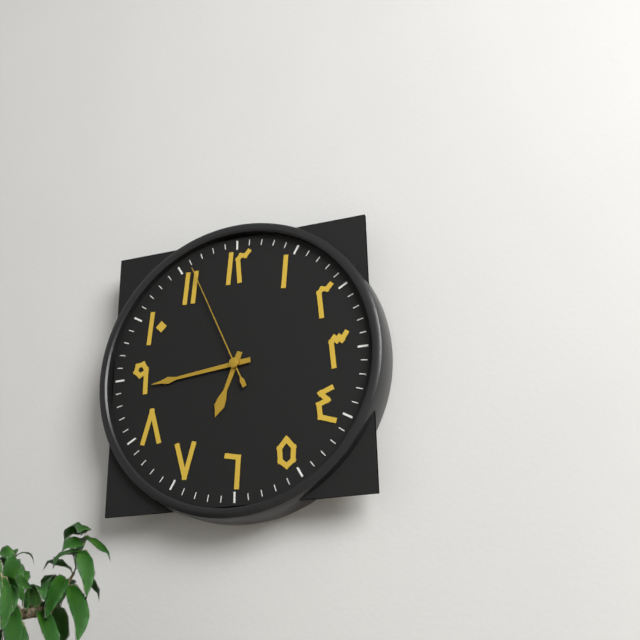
6.44.56
